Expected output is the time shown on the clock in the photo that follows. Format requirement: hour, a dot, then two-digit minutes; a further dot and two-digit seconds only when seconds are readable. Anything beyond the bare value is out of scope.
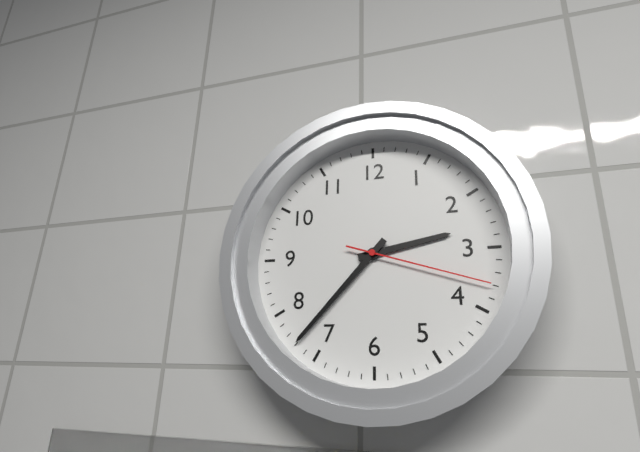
2.37.18
